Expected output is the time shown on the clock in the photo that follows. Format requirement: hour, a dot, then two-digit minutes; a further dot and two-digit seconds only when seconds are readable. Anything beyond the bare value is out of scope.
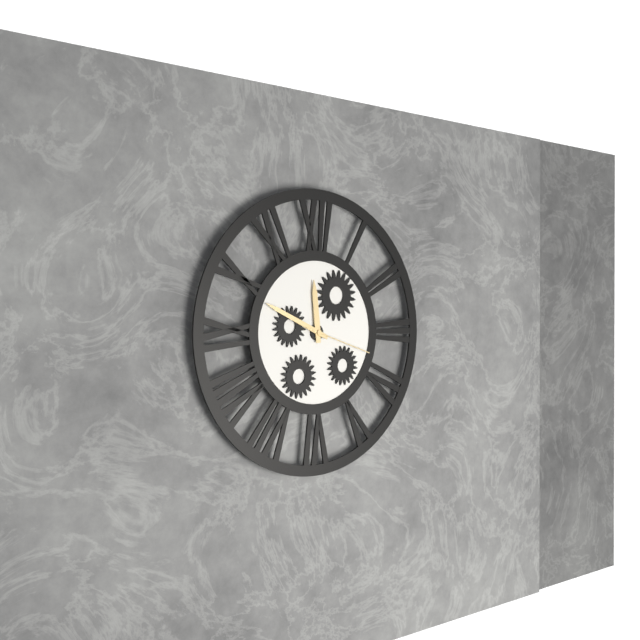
11.49.18
